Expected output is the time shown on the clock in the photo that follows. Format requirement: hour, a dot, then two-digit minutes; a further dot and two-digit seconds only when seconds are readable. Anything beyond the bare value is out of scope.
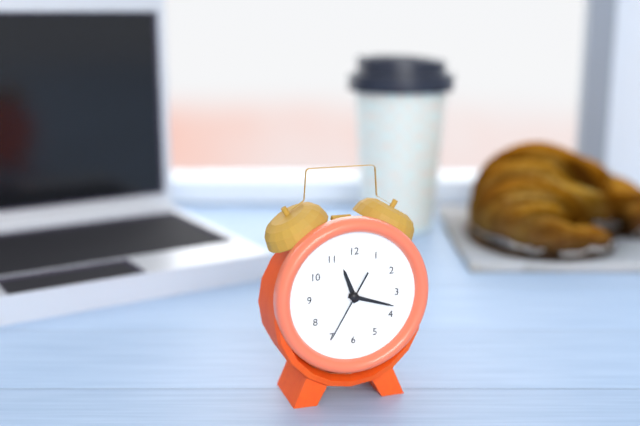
11.18.35
